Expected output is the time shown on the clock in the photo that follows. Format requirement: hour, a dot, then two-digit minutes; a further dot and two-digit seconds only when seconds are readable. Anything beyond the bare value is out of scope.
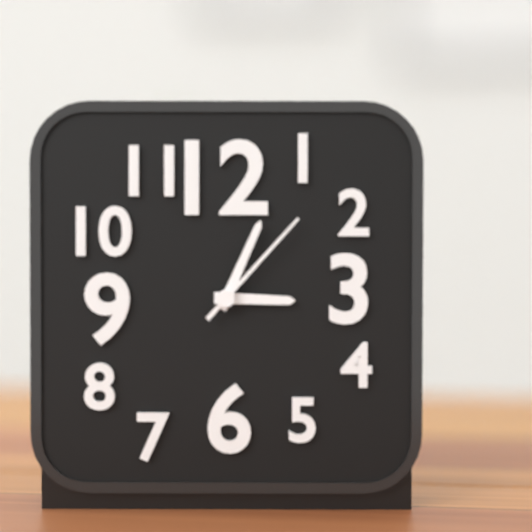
3.04.07
